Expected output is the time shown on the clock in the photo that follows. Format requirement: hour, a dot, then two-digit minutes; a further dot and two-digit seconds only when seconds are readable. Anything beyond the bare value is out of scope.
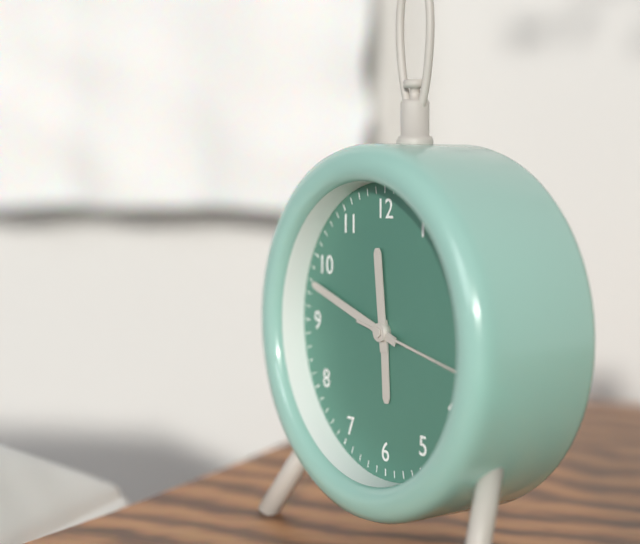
11.48.17
